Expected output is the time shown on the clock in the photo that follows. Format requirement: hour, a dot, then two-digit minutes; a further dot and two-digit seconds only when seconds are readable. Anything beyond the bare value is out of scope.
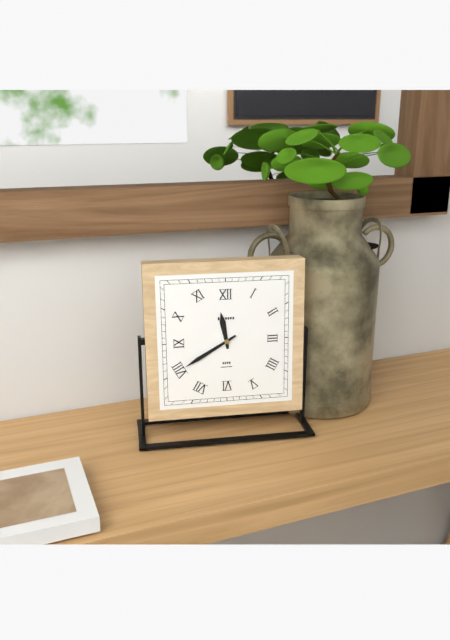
11.40
